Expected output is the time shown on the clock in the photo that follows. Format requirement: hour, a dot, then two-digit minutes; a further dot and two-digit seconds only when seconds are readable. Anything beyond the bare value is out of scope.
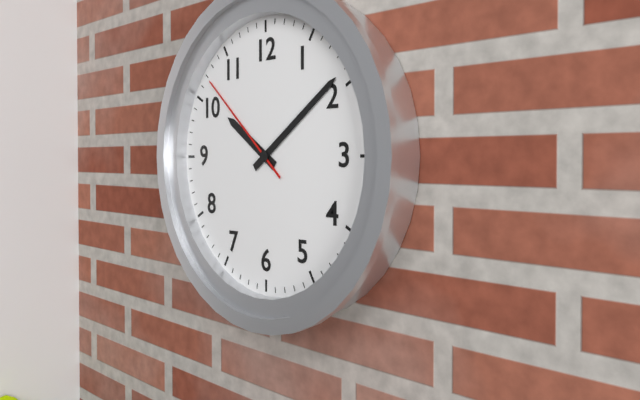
10.09.52
